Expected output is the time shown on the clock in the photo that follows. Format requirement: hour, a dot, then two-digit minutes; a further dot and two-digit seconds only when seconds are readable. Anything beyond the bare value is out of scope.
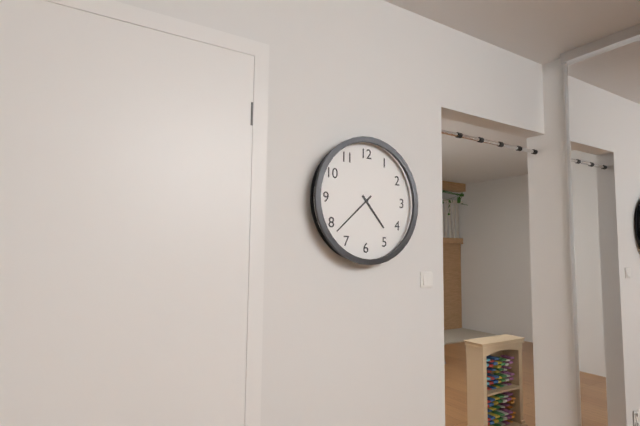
4.38
